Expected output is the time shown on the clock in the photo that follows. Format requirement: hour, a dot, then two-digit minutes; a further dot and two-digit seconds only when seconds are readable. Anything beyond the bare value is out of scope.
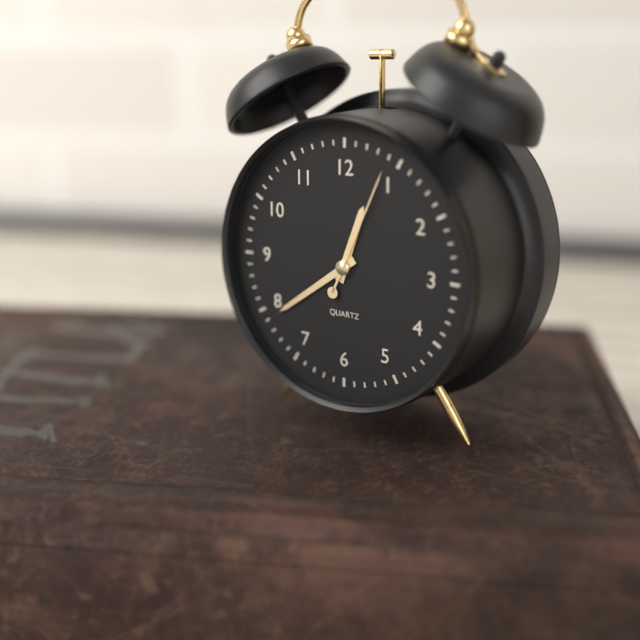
12.39.04
